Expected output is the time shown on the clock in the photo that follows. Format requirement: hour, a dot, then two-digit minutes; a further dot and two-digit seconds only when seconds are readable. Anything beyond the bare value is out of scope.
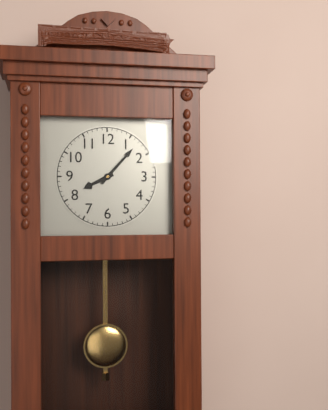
8.07
